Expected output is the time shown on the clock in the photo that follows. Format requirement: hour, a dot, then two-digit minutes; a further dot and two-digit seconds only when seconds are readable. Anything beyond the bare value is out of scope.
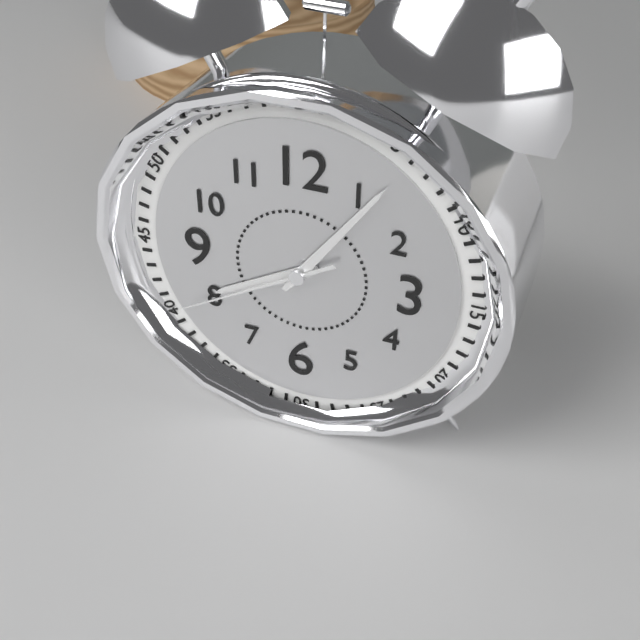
8.06.40
